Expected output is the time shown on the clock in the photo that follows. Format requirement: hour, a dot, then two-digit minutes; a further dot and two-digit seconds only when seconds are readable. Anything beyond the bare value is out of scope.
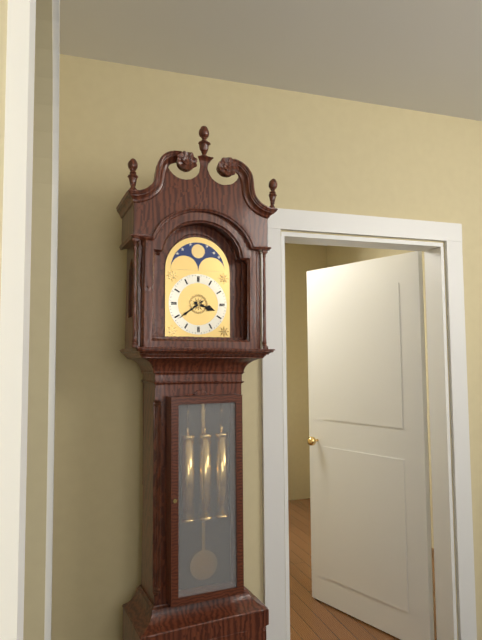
3.39
